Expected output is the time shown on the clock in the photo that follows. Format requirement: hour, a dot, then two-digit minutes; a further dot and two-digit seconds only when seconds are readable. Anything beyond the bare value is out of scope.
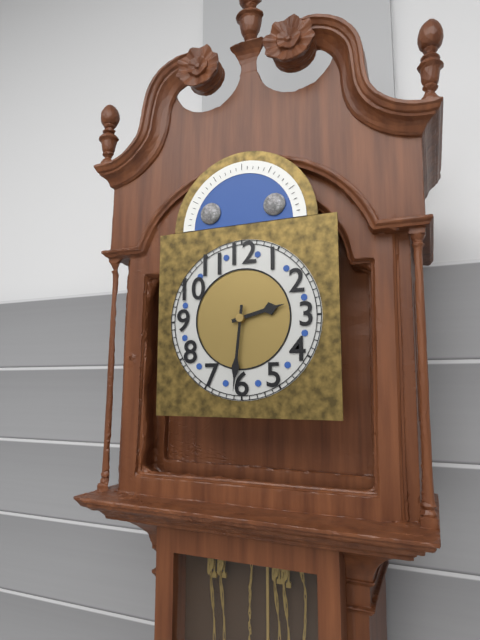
2.31
